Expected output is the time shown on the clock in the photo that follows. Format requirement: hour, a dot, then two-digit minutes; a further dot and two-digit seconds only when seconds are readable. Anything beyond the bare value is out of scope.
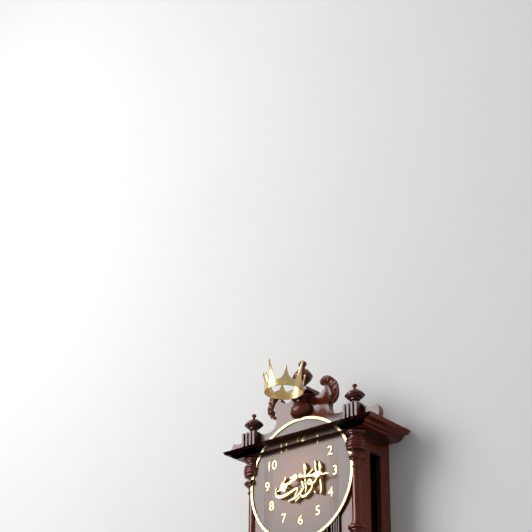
8.16
